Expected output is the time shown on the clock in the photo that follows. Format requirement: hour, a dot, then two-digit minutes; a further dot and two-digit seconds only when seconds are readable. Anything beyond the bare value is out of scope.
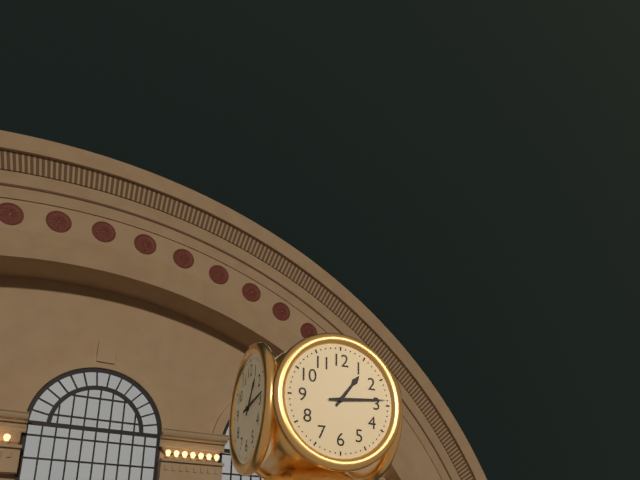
1.14
